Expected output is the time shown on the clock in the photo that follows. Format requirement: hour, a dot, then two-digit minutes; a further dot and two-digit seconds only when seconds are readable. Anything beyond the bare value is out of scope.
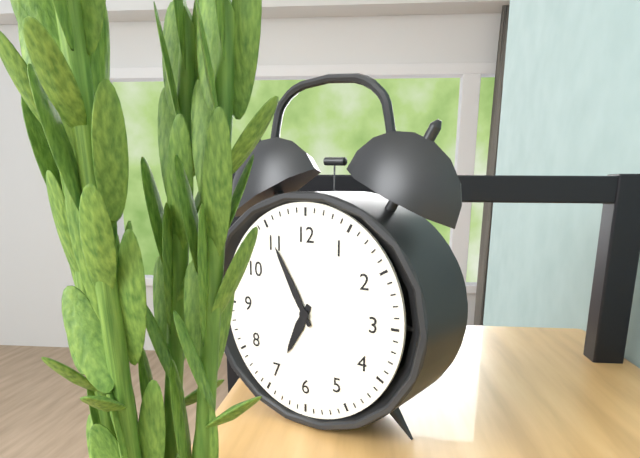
6.55
